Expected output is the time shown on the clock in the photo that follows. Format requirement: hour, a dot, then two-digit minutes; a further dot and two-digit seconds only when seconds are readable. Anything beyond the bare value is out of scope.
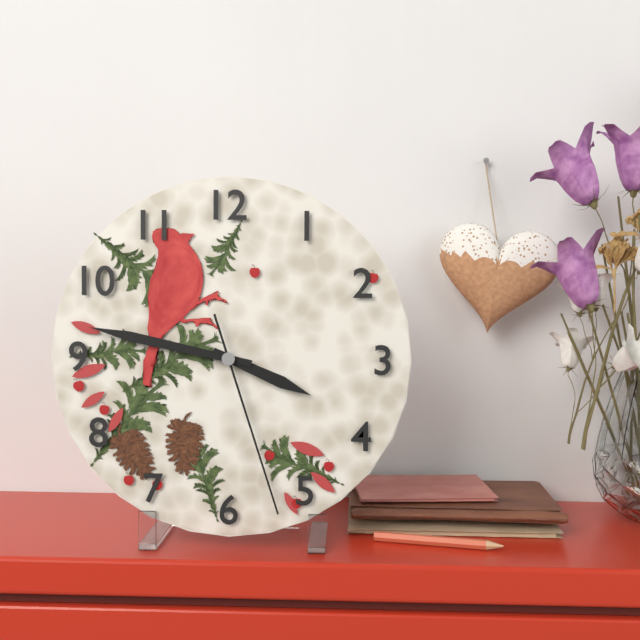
3.47.27
